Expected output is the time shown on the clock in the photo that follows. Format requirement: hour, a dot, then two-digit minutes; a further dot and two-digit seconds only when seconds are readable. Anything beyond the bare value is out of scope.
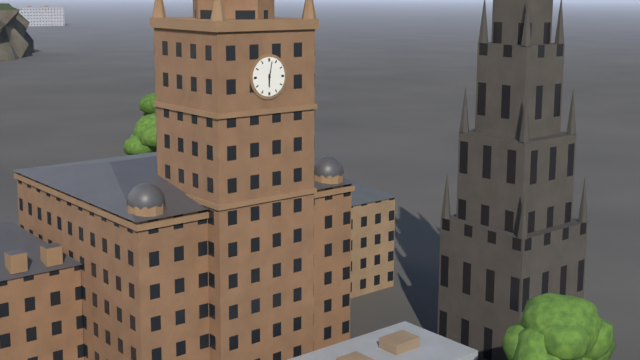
6.02
